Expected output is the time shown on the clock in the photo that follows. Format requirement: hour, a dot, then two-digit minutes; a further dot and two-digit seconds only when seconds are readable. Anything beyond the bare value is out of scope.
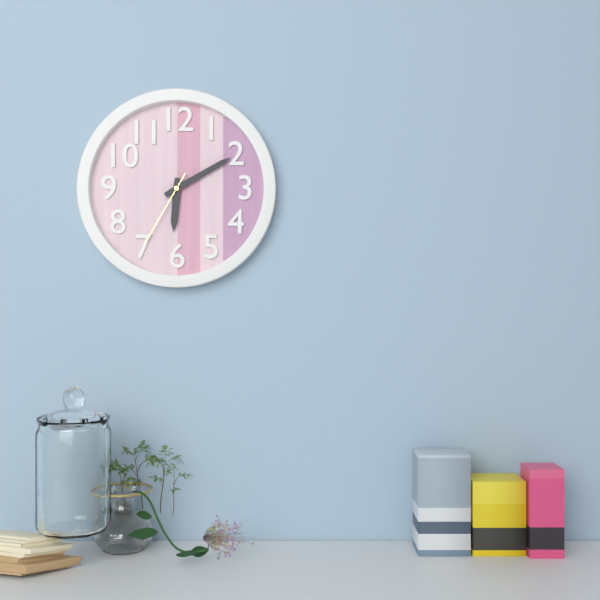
6.10.35
